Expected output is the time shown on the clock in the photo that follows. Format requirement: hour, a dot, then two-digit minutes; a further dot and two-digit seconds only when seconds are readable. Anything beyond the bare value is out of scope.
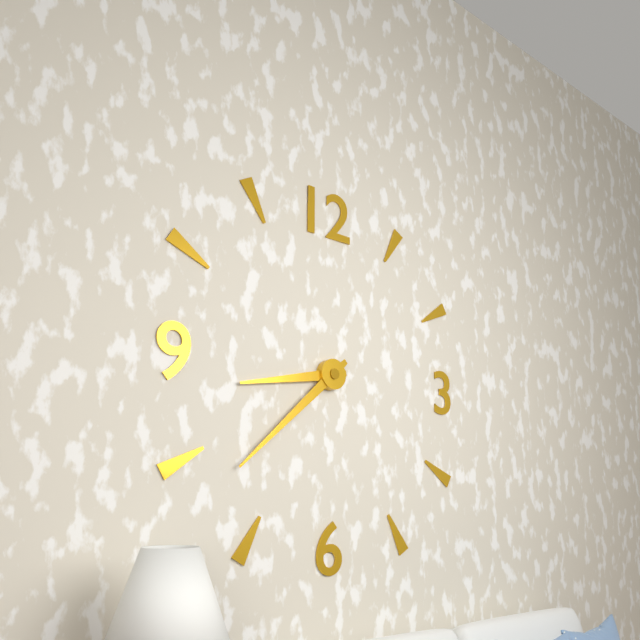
8.38
